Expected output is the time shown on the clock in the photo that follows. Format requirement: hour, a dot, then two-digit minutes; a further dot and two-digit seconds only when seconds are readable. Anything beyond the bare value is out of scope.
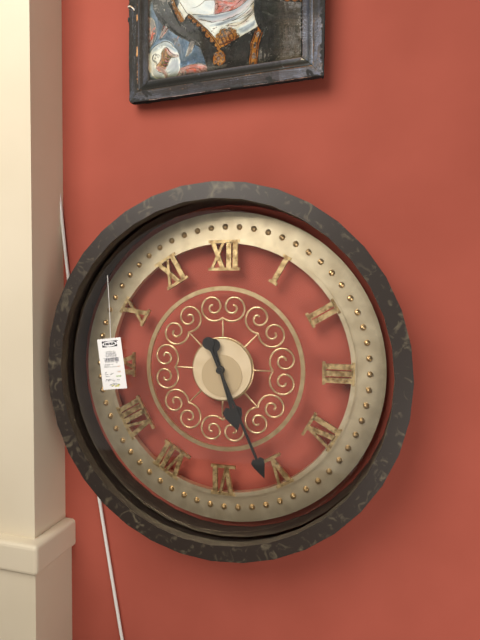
5.26
